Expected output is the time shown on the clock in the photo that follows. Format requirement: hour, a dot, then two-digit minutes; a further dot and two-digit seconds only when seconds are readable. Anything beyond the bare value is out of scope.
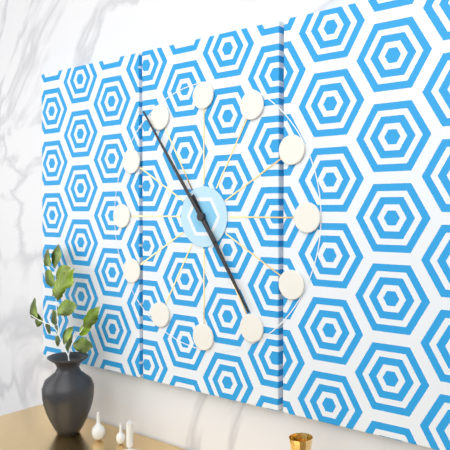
4.54
